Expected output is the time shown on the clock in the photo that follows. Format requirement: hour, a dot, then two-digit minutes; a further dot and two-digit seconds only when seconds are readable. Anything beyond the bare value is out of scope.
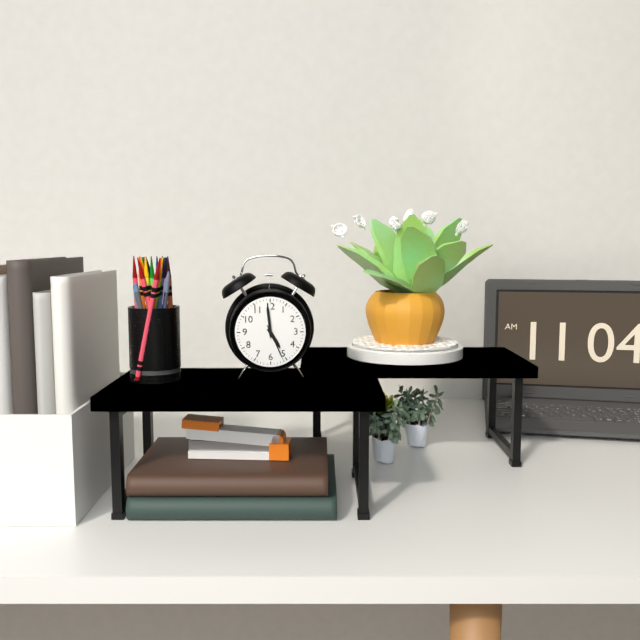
4.59
